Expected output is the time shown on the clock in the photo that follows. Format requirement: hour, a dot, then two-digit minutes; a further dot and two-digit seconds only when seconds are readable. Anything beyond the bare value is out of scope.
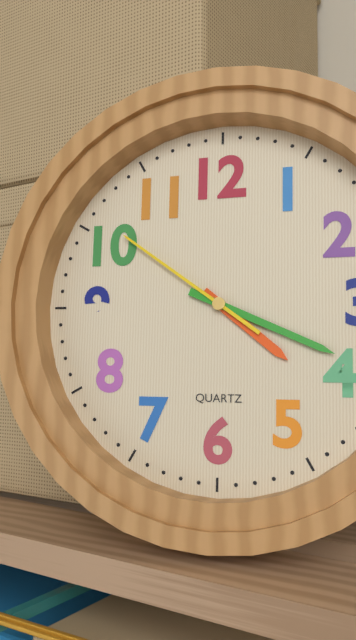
4.19.51
